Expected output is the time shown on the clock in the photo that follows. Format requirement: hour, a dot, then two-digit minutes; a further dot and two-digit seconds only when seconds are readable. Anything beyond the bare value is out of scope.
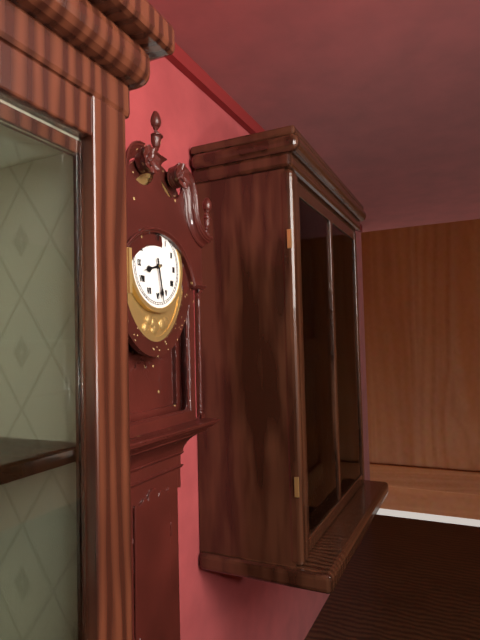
8.28
